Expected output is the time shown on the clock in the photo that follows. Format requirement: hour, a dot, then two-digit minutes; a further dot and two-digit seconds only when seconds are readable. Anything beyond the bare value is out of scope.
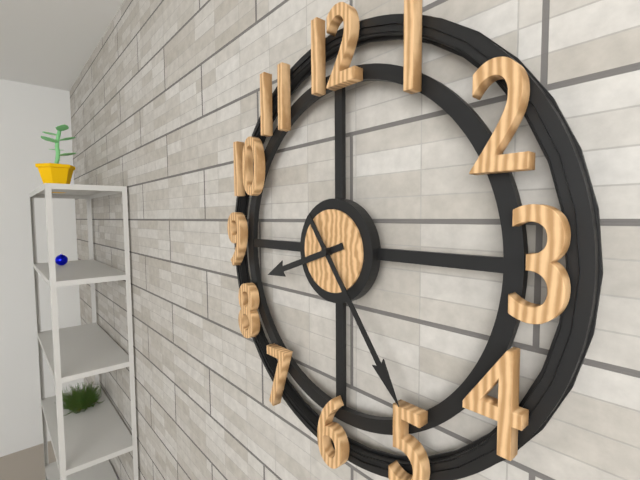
8.24
